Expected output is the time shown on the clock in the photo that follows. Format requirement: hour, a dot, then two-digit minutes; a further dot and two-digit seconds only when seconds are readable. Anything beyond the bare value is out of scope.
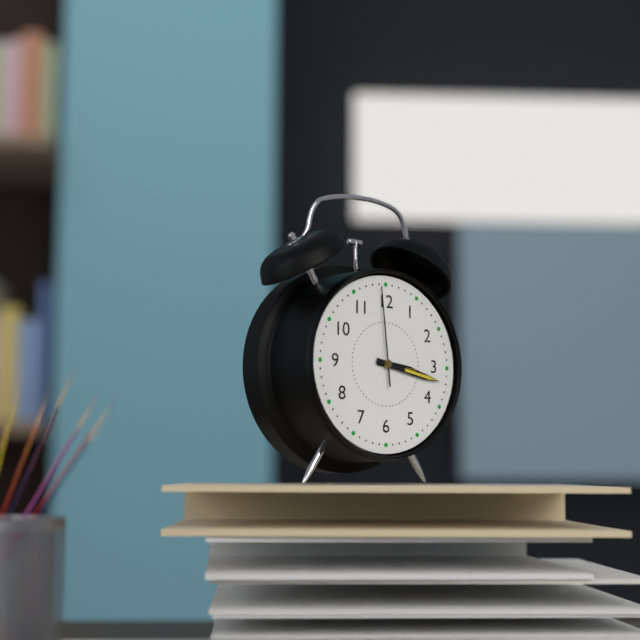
3.17.59
